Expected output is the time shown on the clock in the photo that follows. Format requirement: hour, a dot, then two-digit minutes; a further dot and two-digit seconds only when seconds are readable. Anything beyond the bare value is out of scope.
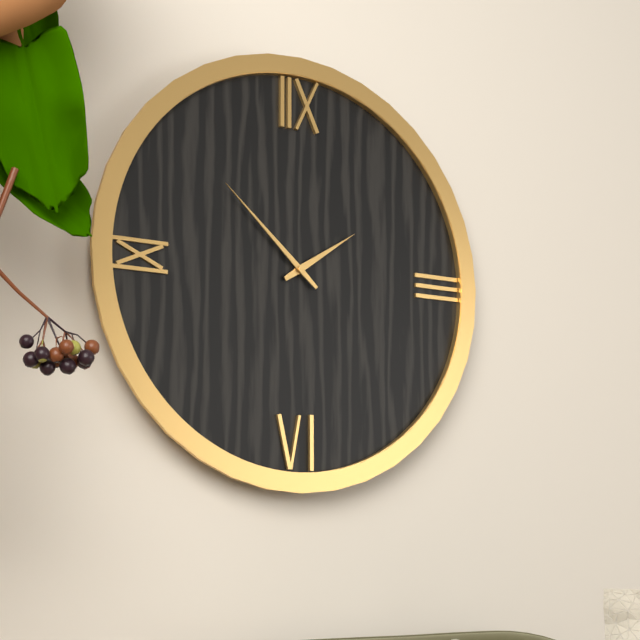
1.52
